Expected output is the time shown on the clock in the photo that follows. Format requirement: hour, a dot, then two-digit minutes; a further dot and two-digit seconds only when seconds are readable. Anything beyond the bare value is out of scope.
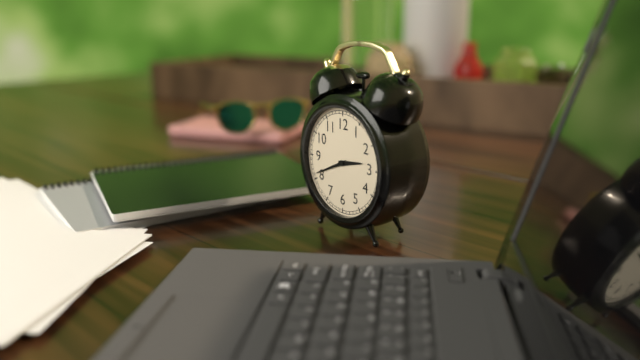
2.41
